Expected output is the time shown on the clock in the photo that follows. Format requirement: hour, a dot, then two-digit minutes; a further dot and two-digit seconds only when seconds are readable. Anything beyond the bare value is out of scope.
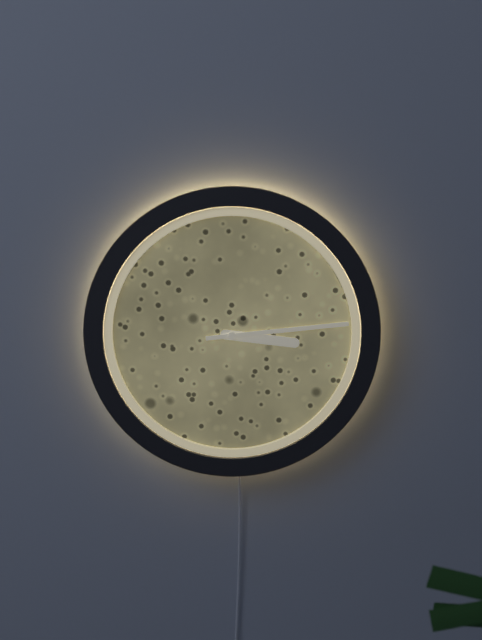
3.14
